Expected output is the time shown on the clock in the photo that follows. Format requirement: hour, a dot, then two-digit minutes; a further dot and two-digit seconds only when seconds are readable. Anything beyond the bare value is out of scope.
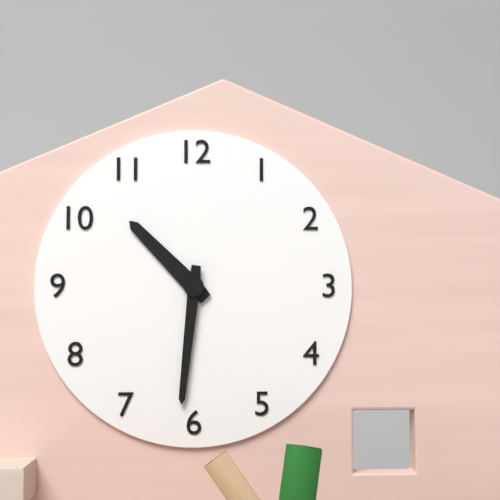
10.31
